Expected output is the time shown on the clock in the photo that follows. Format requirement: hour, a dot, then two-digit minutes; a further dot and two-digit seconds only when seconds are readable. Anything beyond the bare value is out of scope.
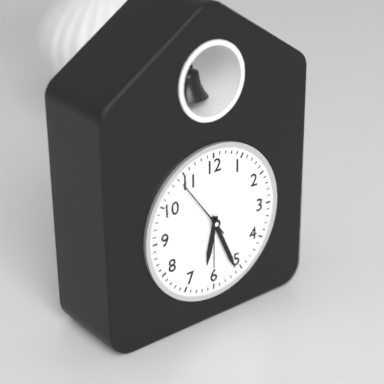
6.26.54
